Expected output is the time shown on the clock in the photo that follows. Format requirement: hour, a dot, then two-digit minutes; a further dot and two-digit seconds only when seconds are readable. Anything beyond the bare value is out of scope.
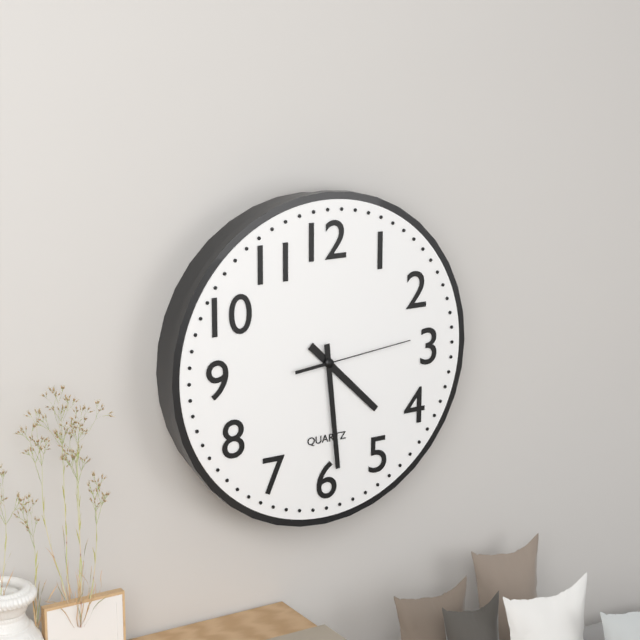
4.29.14
